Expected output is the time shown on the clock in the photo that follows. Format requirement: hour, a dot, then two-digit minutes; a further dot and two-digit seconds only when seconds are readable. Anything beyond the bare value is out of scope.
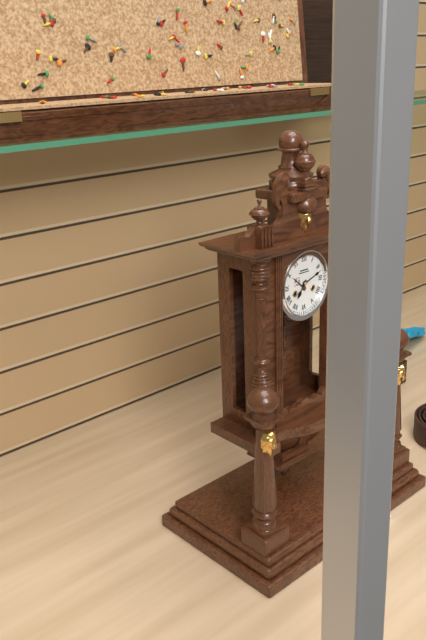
7.12
